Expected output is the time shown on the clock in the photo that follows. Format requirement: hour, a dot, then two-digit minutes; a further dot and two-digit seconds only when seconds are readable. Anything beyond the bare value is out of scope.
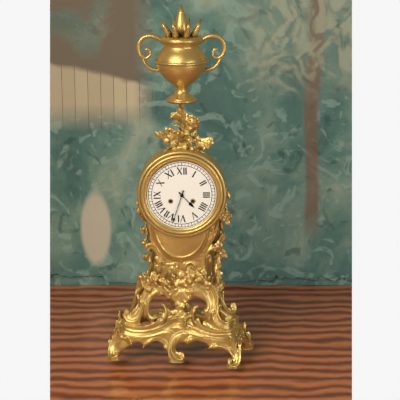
4.33
